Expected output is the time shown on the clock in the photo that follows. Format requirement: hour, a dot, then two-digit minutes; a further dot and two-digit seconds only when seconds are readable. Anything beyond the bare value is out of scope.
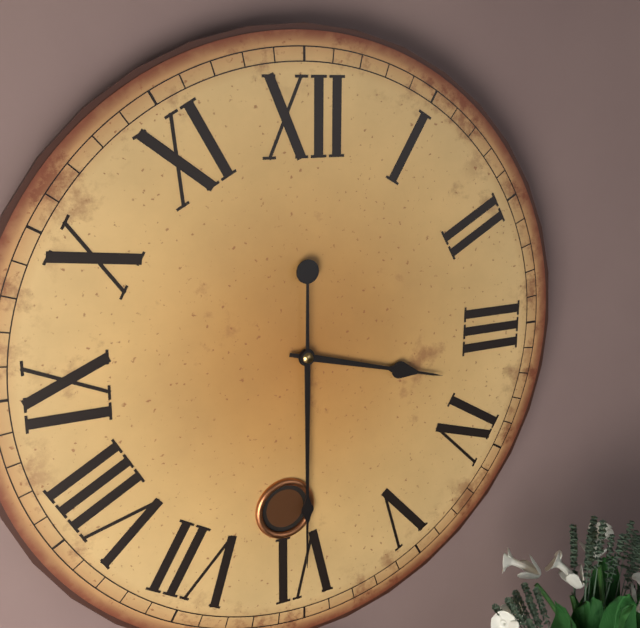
3.30
